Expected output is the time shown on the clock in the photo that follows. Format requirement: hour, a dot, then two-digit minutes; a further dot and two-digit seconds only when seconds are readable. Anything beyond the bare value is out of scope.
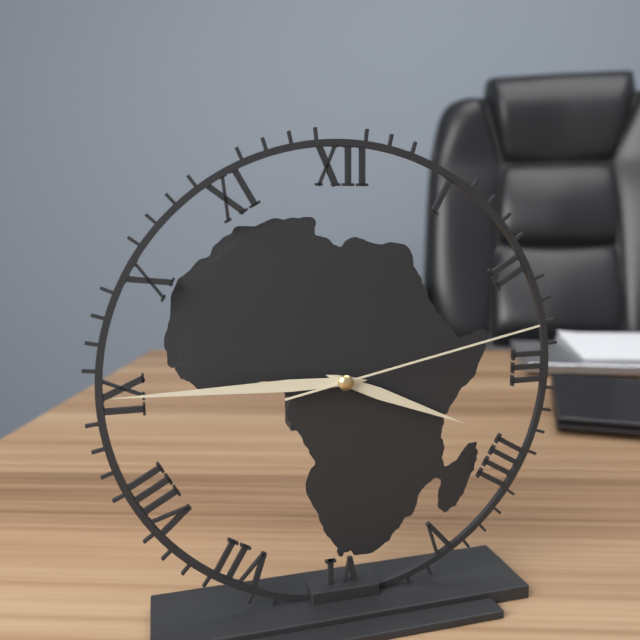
3.45.13
